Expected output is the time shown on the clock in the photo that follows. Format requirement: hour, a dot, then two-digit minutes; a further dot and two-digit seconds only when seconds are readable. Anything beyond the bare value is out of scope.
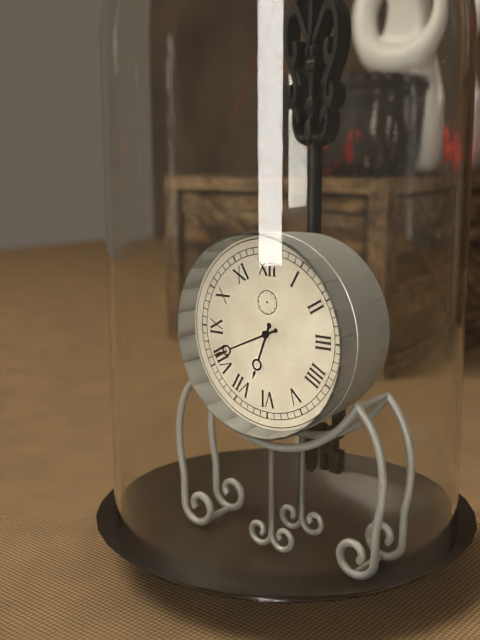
6.41
